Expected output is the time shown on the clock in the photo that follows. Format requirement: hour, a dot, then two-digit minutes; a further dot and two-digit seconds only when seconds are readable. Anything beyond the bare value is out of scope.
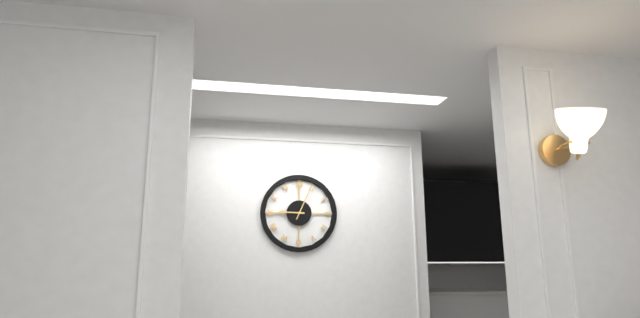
9.04
